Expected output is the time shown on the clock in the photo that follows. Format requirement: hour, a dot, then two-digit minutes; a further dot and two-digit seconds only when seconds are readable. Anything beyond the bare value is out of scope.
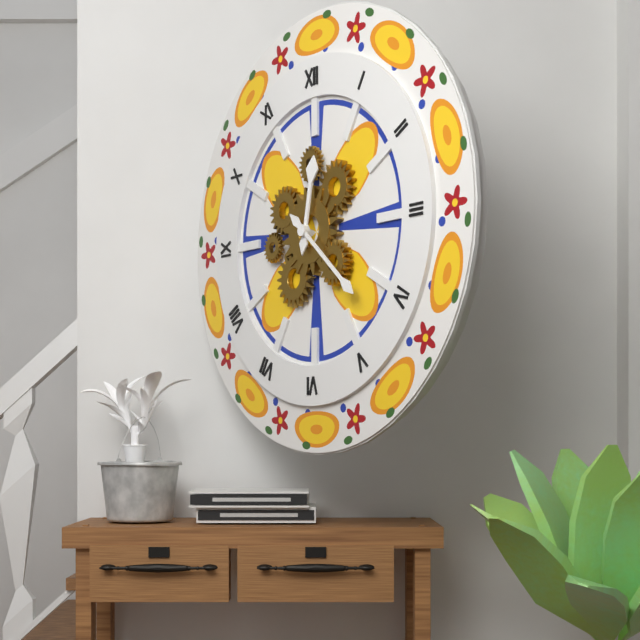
12.22
